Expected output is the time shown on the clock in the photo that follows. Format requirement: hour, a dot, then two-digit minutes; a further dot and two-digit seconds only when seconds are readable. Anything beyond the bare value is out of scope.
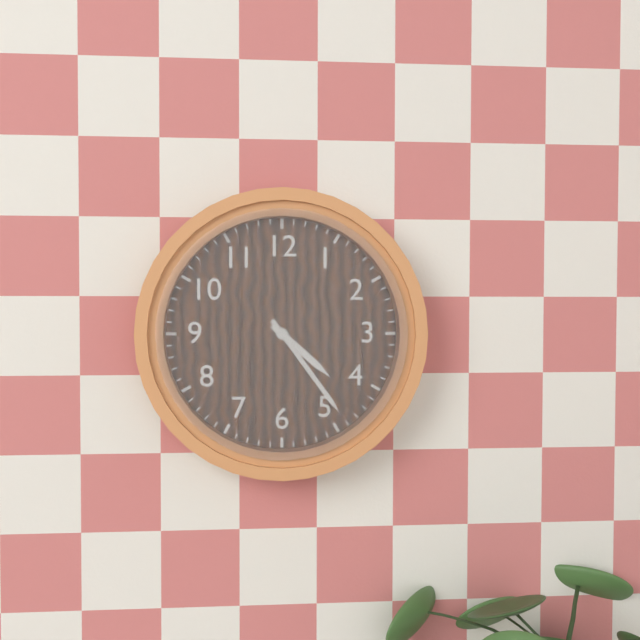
4.24
